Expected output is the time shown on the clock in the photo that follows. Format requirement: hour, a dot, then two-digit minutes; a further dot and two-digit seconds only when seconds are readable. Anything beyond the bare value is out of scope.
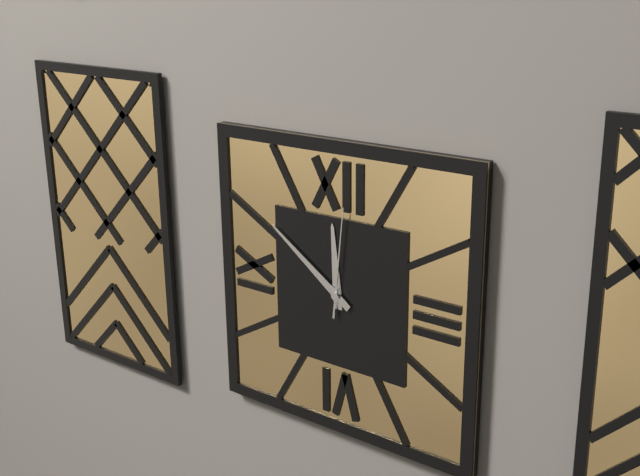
11.51.01
